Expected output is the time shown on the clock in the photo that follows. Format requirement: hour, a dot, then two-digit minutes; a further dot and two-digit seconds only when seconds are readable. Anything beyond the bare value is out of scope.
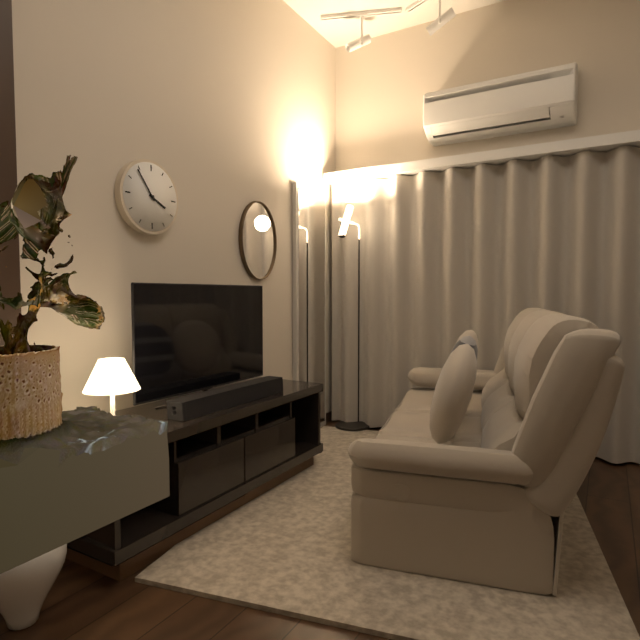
3.54
